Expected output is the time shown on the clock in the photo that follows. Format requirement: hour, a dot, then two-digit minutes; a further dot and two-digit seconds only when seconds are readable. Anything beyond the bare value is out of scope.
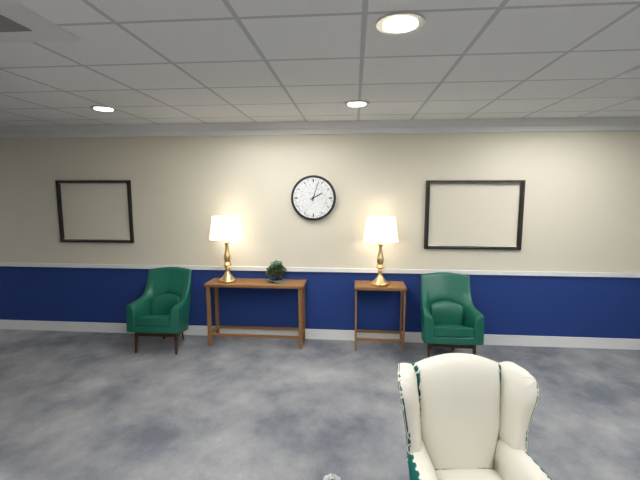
2.03
